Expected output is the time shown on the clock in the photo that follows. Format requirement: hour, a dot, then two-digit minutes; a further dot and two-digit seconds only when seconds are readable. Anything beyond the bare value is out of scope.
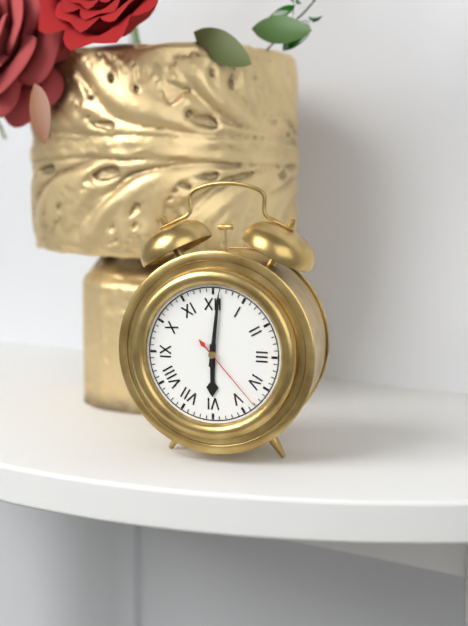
6.01.23
